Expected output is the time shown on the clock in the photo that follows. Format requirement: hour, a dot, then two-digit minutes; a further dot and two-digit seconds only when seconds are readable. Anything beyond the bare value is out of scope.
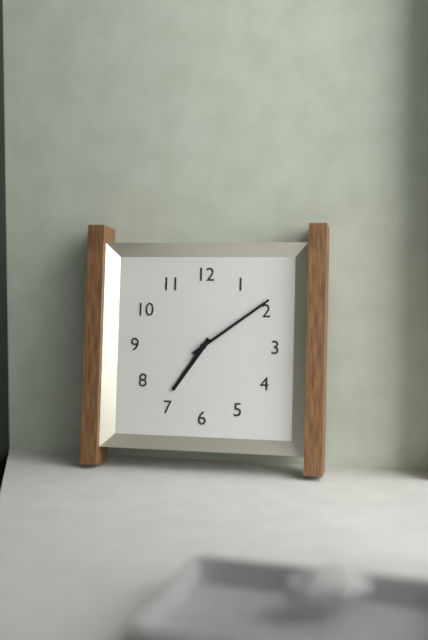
7.09
